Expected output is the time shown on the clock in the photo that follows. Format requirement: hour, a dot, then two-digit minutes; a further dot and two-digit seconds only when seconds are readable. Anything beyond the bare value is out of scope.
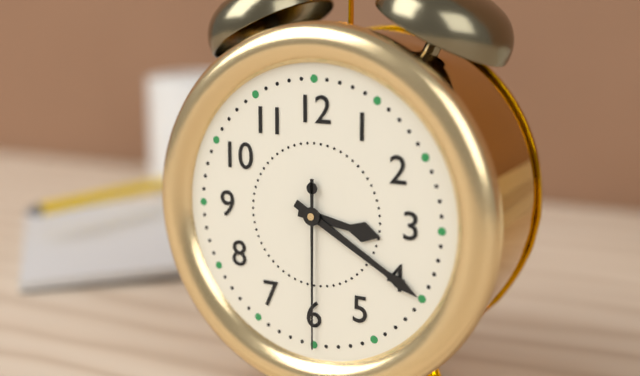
3.20.30
